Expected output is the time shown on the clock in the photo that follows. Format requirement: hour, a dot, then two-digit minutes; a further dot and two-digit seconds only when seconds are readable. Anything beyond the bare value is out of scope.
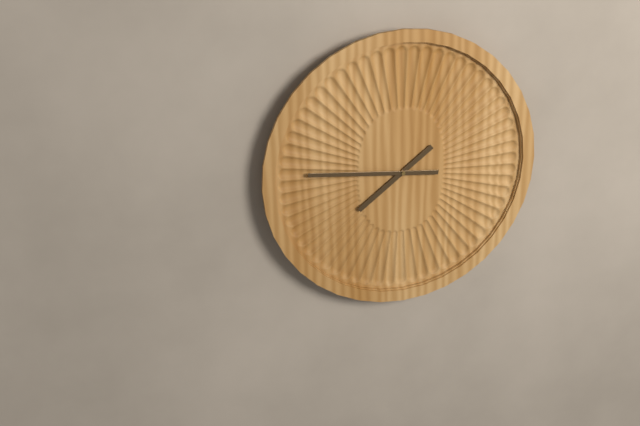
7.46
